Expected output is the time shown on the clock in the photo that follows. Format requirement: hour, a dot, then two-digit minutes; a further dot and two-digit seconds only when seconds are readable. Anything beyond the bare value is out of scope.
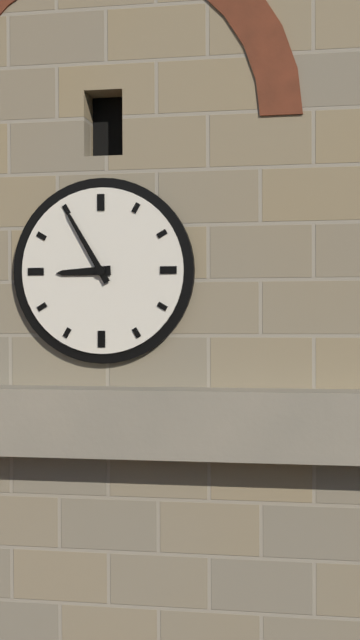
8.55
